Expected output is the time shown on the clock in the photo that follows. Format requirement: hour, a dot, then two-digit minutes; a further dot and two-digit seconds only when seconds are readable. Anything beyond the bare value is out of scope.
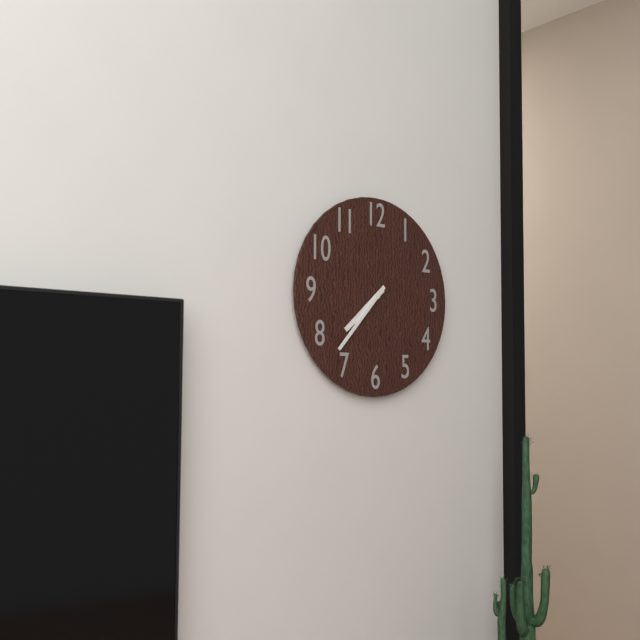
7.37
